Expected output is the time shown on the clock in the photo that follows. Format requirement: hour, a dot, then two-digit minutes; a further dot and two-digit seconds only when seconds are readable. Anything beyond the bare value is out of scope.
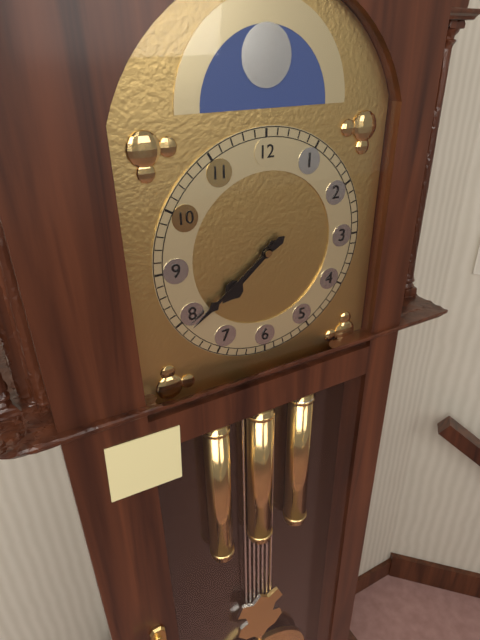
7.39
